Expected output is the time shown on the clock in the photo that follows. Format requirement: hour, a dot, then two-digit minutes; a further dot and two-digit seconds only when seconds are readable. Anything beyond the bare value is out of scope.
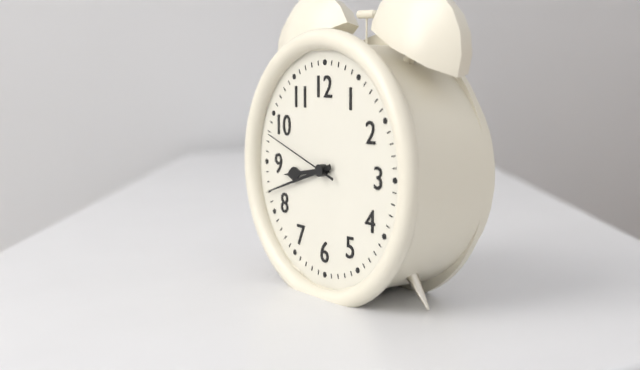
8.42.48
